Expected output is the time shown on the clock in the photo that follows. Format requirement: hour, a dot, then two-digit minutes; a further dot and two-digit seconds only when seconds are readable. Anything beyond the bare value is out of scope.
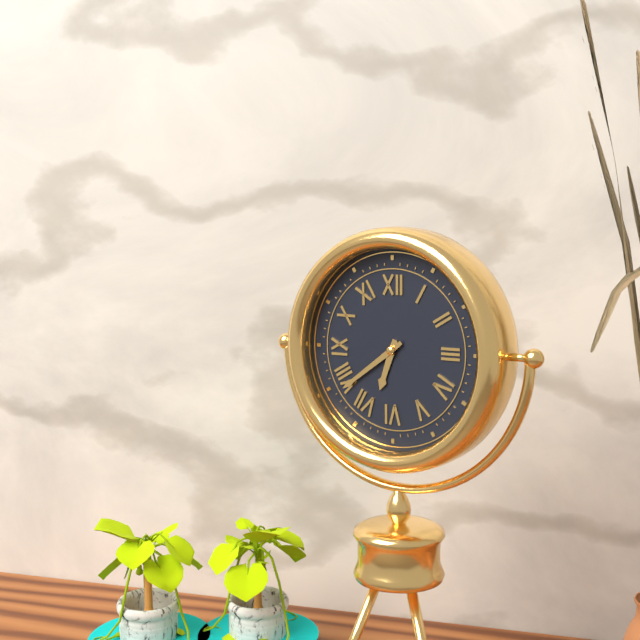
6.39
